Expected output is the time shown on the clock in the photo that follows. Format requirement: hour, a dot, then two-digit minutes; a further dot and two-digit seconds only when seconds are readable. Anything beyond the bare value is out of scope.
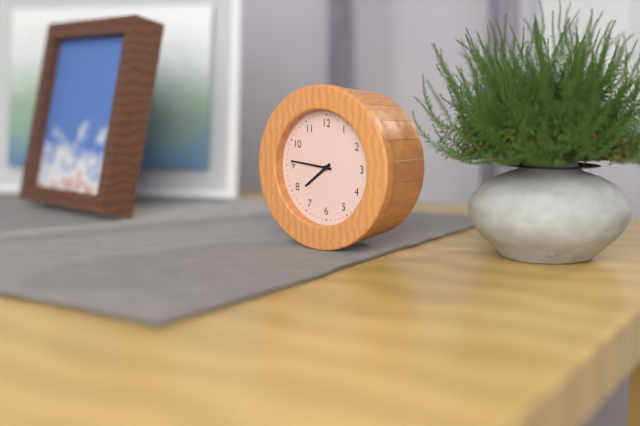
7.46
